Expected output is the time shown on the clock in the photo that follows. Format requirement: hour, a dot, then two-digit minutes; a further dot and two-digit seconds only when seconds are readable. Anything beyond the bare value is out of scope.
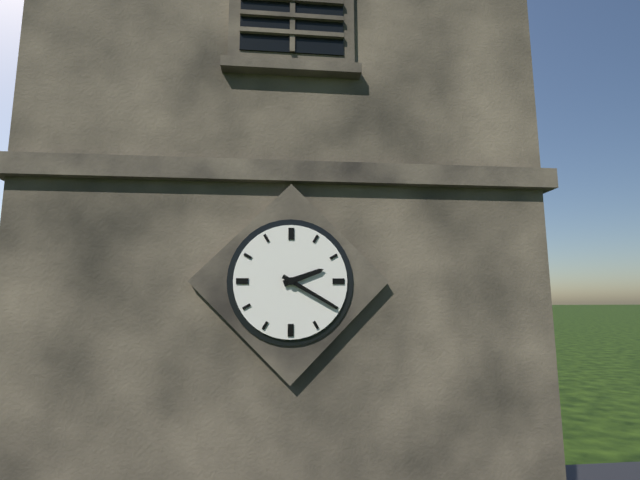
2.20
